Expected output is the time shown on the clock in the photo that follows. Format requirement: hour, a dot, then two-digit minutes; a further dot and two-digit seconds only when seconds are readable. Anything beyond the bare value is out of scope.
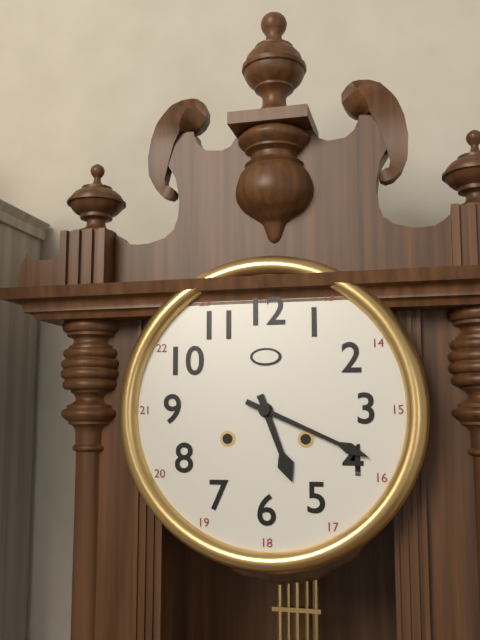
5.19
